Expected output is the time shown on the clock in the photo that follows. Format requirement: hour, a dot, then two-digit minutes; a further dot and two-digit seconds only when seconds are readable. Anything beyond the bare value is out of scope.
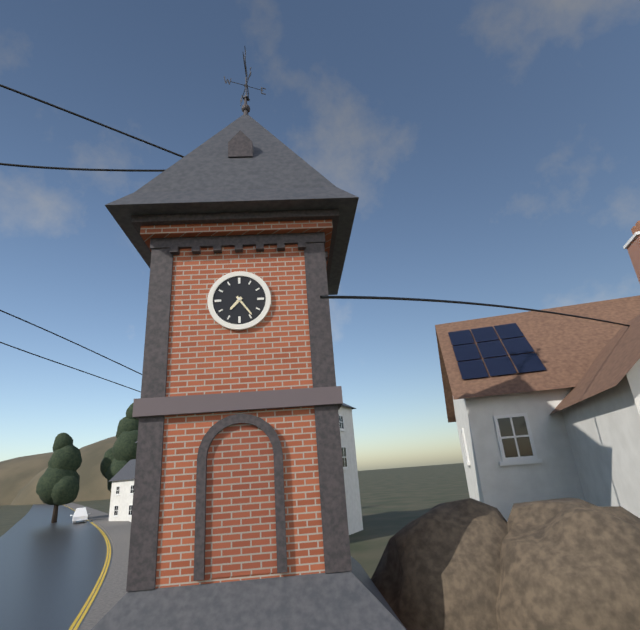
7.24
